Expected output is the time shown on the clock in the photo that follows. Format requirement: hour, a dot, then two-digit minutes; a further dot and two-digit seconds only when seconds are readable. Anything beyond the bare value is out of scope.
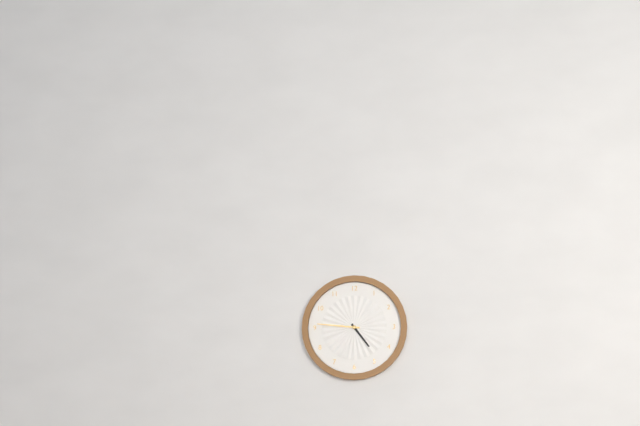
4.46
